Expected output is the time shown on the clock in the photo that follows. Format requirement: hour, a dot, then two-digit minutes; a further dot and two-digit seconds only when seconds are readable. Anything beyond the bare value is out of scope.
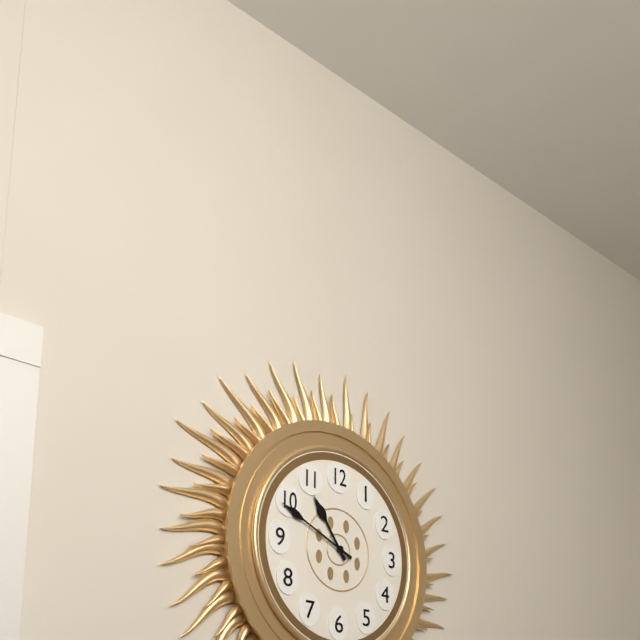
10.49
